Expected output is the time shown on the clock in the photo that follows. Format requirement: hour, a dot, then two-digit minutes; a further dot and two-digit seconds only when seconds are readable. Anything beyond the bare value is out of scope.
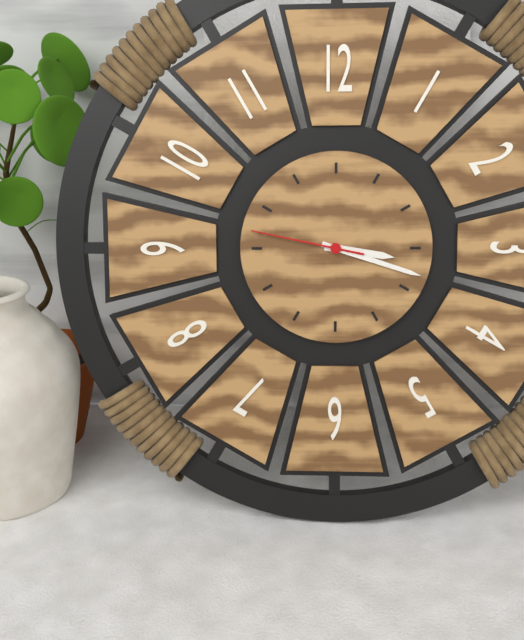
3.18.47
